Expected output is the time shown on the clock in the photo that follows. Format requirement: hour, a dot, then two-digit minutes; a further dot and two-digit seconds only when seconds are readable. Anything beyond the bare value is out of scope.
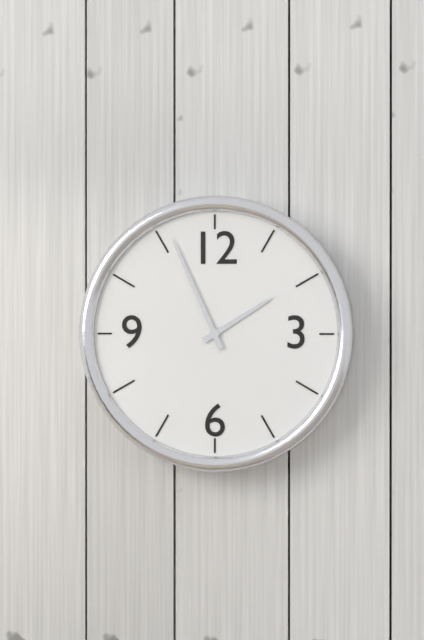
1.56
